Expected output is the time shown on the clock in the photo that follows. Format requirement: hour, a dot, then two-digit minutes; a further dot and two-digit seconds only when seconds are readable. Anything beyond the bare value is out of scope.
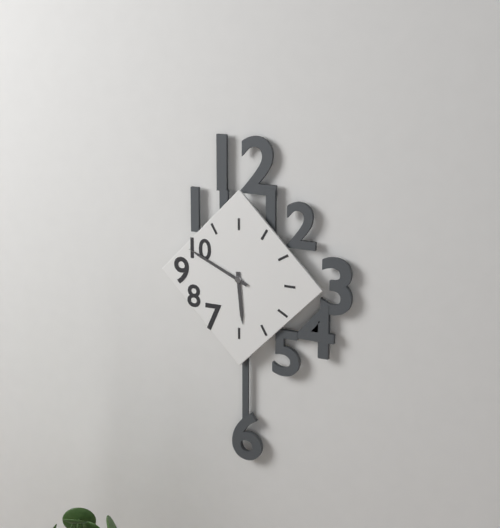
5.49
